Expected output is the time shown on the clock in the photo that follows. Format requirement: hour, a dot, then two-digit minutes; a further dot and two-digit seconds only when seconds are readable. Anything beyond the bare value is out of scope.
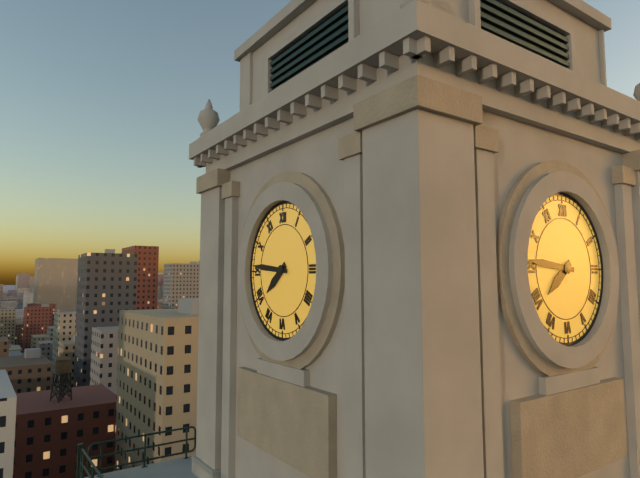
7.46
